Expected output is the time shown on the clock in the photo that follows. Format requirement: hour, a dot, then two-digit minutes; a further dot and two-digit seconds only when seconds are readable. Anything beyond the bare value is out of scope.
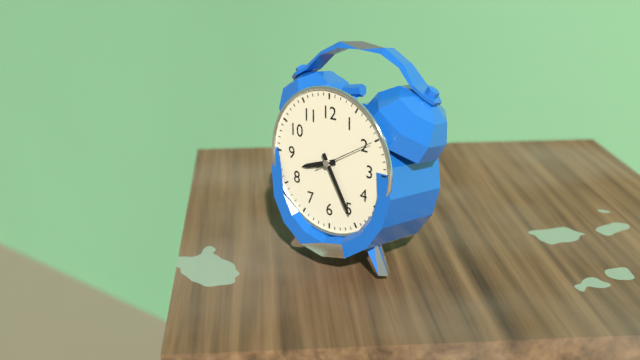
8.25.10
